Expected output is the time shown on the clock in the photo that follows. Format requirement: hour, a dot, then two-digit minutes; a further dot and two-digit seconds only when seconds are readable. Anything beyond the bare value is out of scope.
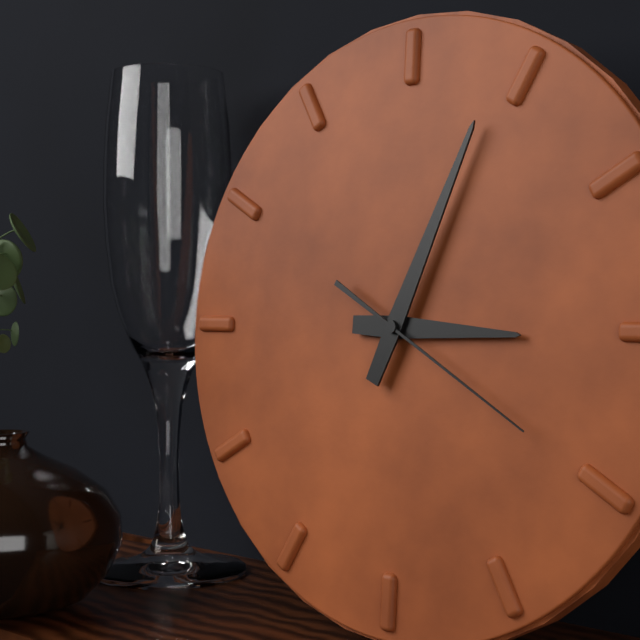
3.04.20
